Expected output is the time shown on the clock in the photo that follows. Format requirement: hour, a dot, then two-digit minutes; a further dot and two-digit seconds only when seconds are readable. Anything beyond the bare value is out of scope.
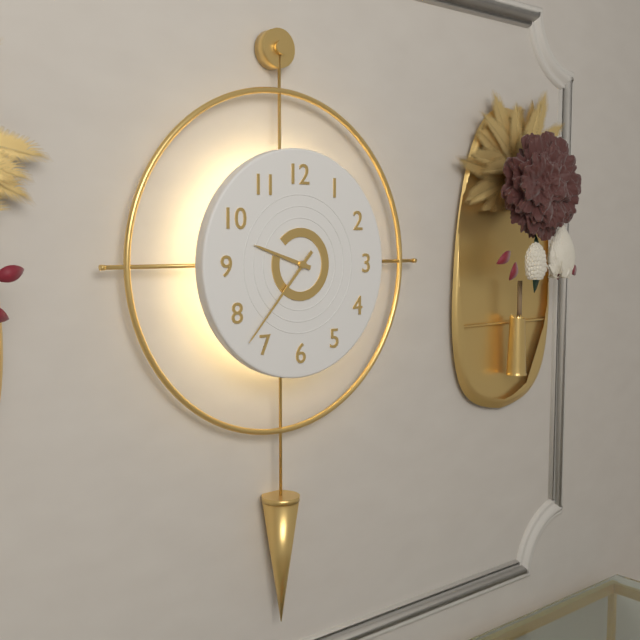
9.37
